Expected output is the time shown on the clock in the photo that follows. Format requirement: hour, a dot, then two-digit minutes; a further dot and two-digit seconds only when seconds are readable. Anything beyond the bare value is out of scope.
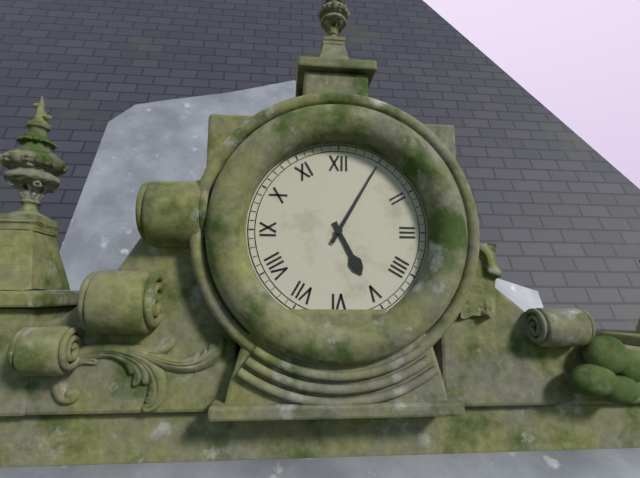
5.05
